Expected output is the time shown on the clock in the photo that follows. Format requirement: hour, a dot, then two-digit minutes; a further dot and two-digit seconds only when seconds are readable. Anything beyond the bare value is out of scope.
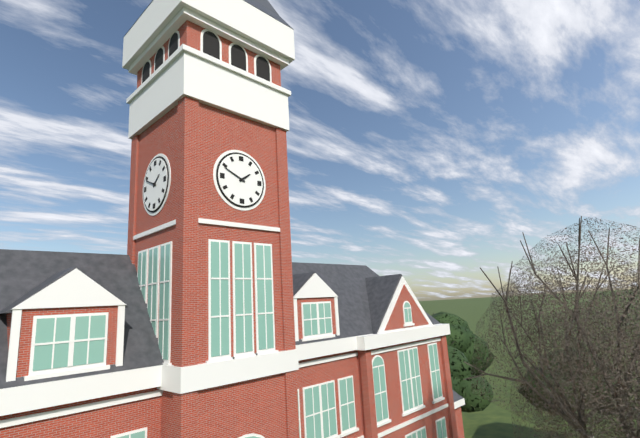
1.49
